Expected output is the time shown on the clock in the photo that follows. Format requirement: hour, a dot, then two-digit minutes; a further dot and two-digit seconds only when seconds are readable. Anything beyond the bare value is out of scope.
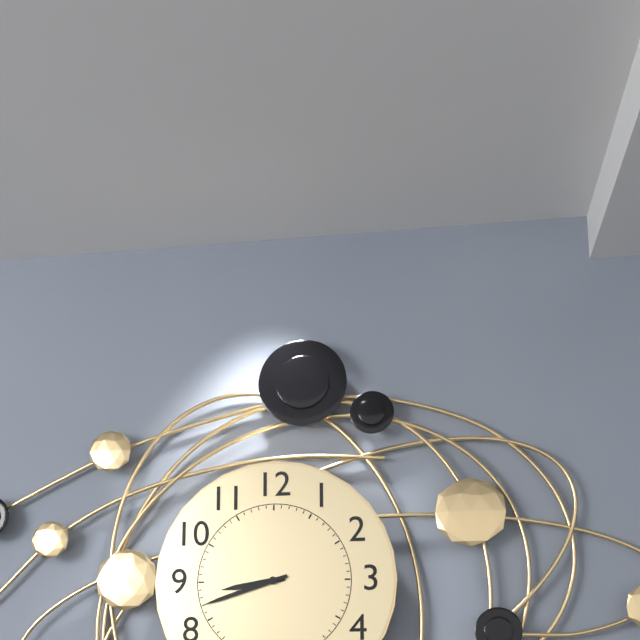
8.42
